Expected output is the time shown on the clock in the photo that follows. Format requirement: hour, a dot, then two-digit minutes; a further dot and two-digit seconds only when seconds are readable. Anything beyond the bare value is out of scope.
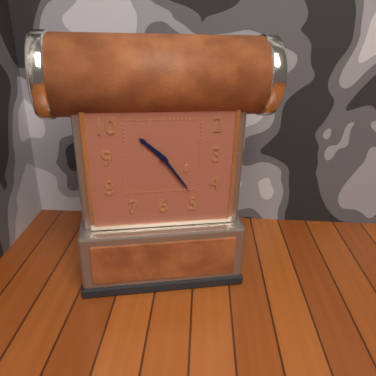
10.24
